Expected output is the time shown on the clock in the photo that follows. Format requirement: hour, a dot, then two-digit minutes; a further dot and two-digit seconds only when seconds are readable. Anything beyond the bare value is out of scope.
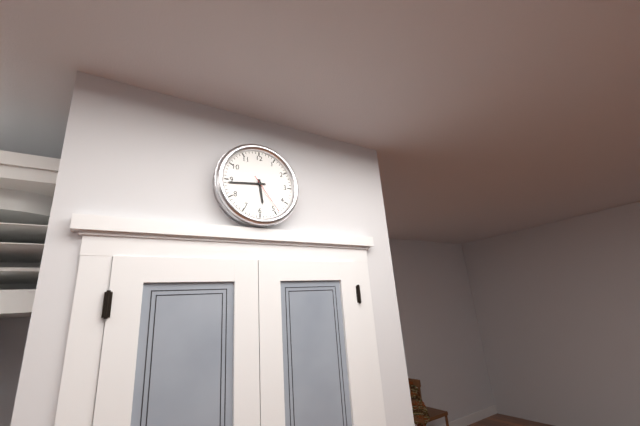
5.44
